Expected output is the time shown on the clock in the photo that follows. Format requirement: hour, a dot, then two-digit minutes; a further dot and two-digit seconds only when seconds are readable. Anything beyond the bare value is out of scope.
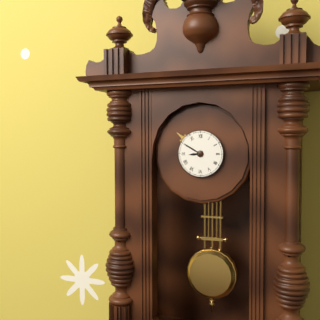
8.50
